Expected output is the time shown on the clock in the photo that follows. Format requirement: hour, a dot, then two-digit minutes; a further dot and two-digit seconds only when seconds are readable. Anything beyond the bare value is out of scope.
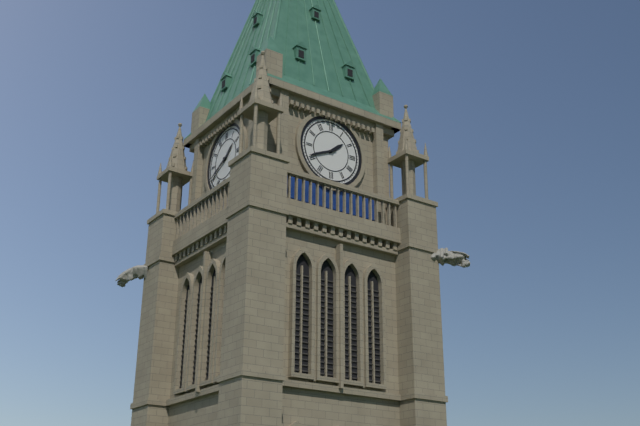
1.41
